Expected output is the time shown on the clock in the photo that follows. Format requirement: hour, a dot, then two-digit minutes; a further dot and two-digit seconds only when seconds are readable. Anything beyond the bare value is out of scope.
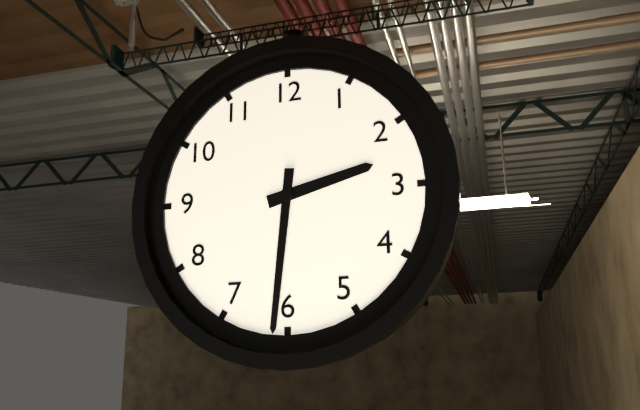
2.31
